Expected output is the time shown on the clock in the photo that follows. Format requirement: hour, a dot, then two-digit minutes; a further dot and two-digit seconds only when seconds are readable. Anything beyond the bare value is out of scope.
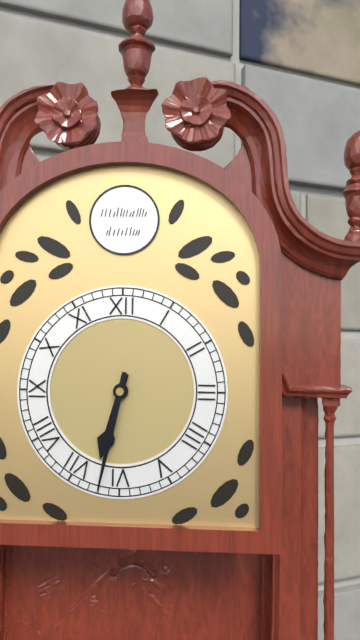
6.32
